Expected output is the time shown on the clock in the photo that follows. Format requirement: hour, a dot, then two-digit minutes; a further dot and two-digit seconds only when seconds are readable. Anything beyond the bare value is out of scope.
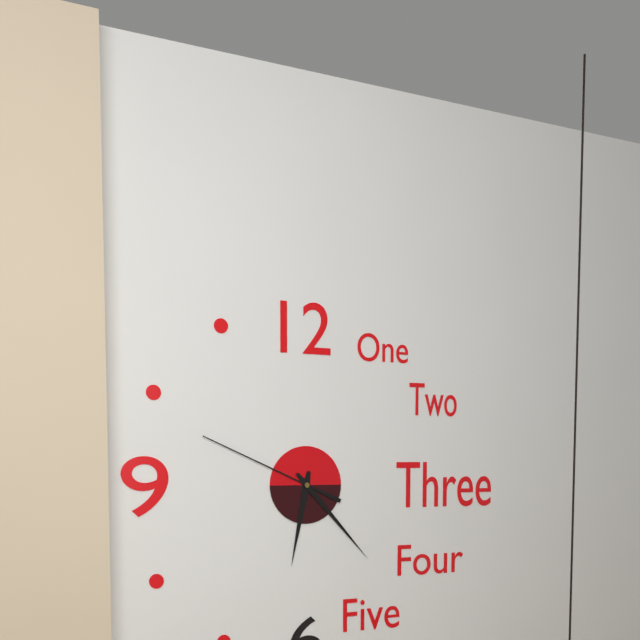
6.23.49
